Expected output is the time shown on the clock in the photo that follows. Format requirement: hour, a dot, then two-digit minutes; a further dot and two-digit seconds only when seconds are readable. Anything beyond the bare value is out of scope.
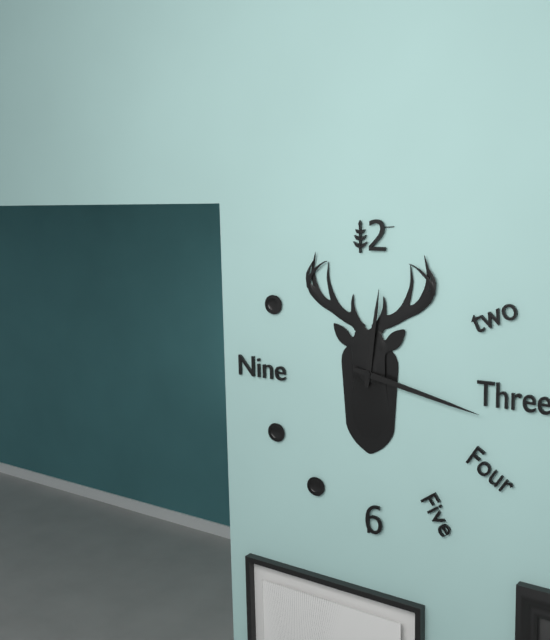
12.17
